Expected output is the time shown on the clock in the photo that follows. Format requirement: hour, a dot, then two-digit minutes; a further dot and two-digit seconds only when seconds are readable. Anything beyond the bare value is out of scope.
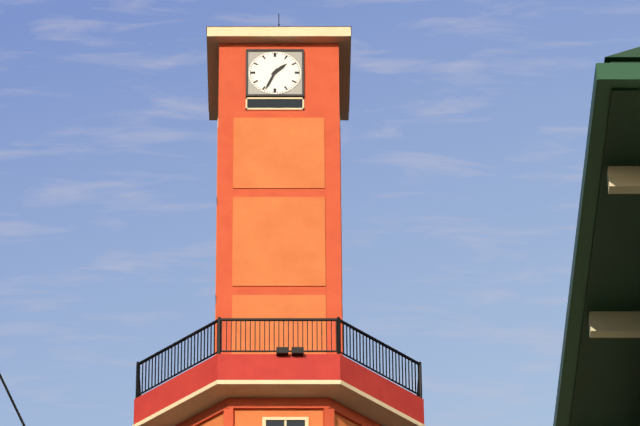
1.34
